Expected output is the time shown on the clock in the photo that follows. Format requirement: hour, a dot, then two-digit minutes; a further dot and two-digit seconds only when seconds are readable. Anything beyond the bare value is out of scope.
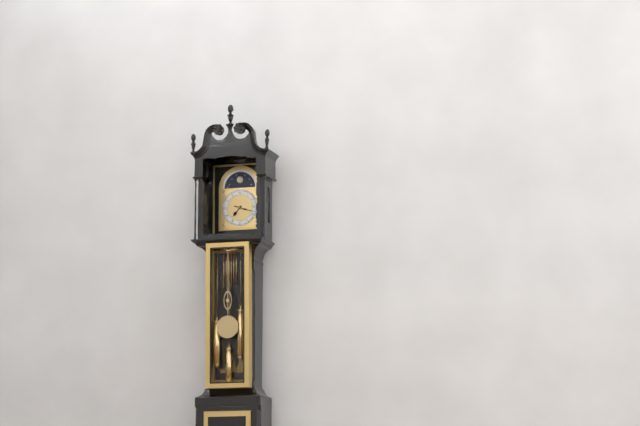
7.18
